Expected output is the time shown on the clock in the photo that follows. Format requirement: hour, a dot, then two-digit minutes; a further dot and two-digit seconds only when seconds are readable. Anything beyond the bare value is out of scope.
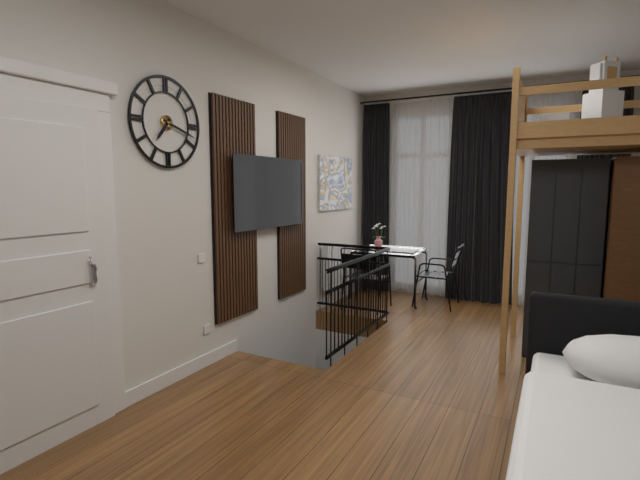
7.18
